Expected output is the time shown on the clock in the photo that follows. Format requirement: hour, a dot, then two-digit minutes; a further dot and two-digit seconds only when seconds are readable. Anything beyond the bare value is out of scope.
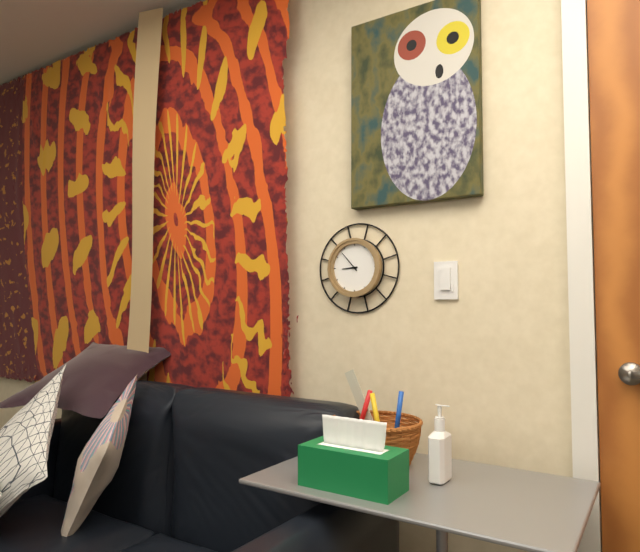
8.53
